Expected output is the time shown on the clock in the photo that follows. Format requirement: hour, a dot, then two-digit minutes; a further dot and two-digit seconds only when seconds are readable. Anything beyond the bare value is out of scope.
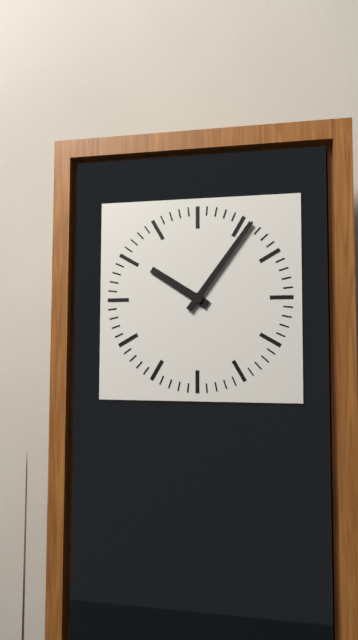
10.06
